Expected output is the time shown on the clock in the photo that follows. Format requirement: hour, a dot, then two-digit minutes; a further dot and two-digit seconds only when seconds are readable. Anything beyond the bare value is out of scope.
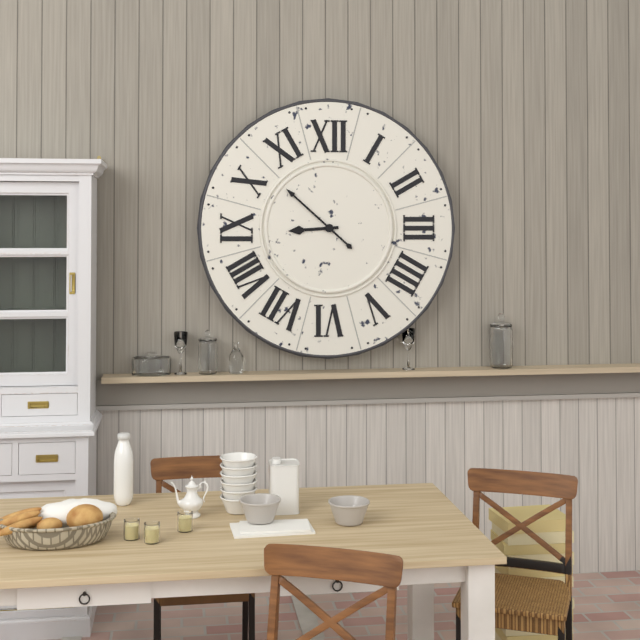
8.52
